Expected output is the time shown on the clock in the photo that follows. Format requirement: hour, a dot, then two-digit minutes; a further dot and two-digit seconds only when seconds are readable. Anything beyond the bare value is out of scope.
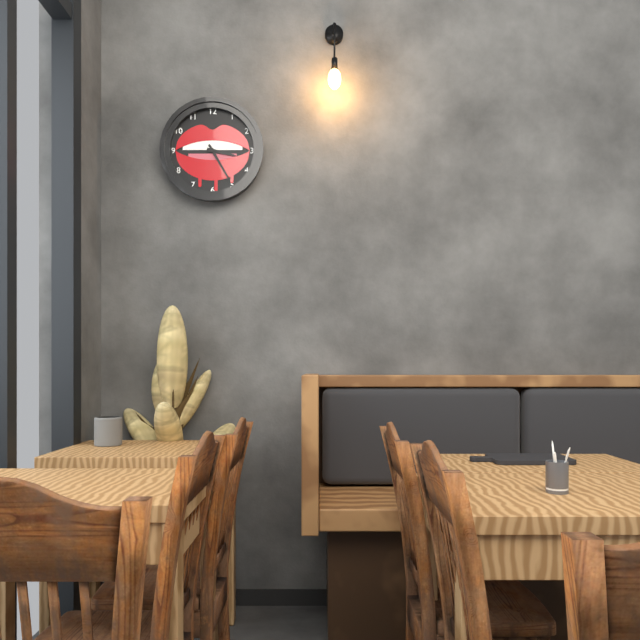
3.25
